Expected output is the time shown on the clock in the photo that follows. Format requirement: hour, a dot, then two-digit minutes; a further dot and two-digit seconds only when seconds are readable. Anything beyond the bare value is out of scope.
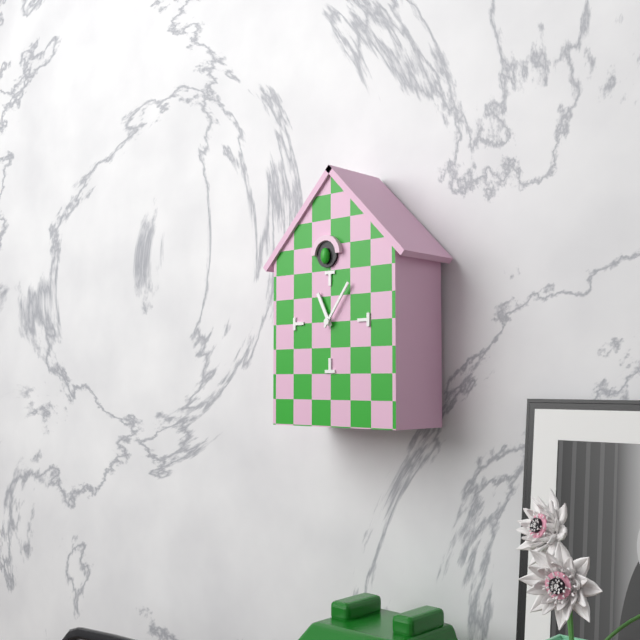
11.06
